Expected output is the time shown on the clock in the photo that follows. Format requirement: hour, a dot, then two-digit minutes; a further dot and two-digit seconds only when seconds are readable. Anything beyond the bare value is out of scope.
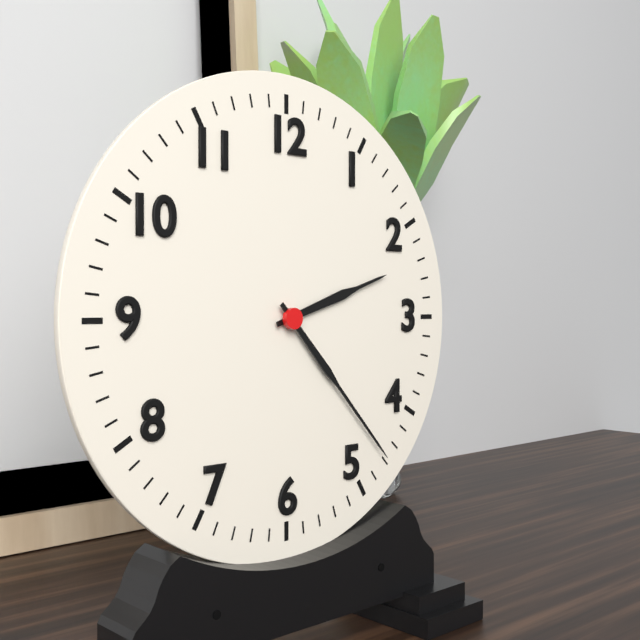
2.23
